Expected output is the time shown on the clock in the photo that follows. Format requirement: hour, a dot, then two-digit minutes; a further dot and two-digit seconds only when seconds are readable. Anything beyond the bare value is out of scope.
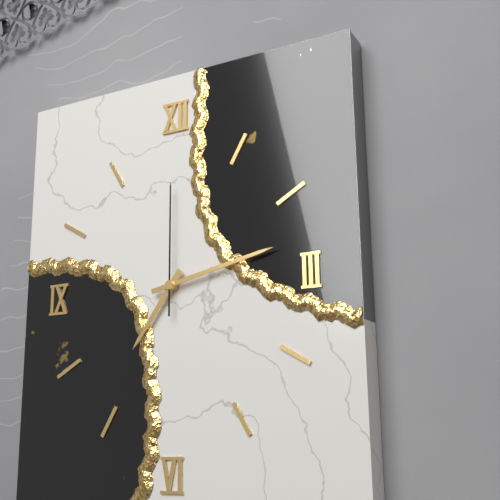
7.13.00
